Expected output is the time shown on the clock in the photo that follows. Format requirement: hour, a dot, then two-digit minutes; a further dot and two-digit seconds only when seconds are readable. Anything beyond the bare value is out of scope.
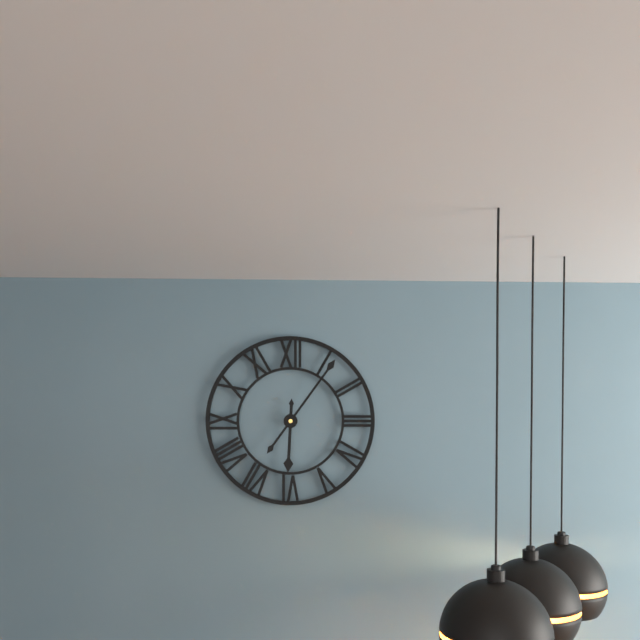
6.06
